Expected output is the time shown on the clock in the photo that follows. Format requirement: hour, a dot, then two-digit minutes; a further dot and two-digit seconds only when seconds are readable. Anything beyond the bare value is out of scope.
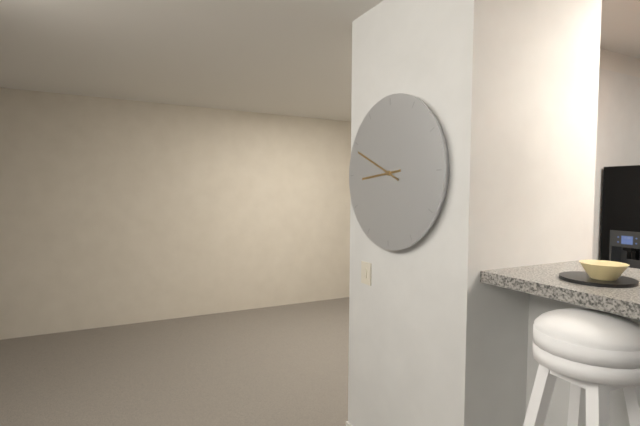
8.49
